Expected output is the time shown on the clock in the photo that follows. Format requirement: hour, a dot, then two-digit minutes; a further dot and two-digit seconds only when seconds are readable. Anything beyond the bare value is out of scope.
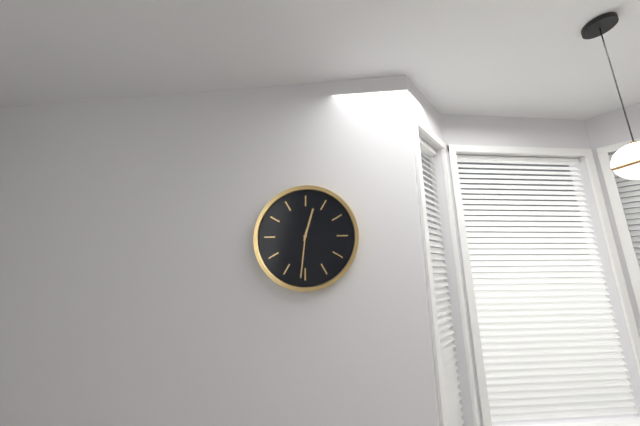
12.31
